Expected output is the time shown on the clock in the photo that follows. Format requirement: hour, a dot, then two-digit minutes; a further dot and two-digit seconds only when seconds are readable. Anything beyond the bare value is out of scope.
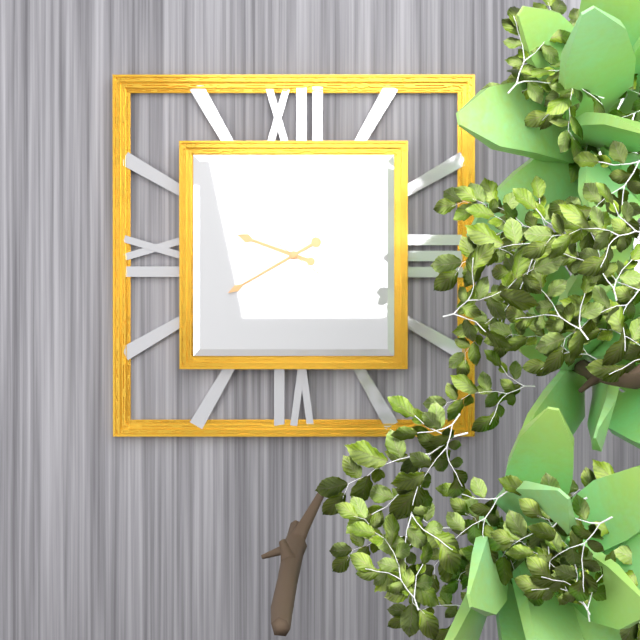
9.40.21
